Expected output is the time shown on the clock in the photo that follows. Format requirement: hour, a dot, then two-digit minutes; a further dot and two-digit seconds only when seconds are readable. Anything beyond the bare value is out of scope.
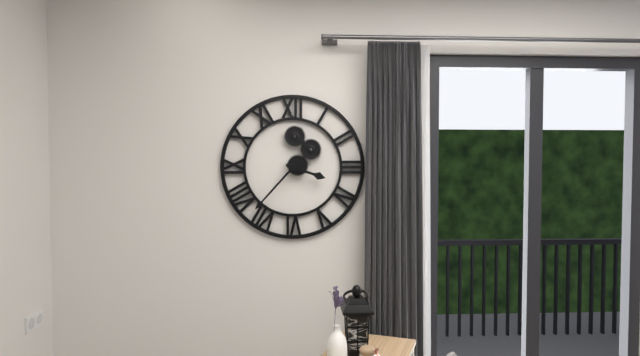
3.37
